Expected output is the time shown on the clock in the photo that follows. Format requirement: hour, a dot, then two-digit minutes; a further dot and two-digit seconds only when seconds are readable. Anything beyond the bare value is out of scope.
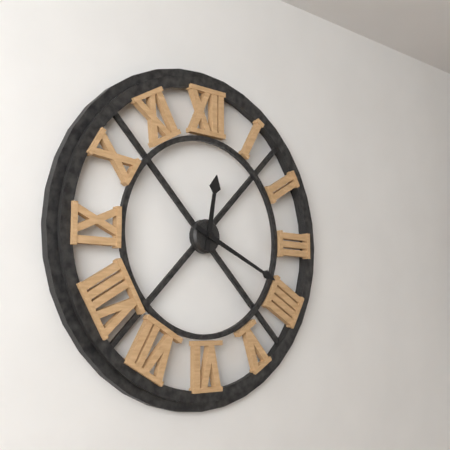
12.19
